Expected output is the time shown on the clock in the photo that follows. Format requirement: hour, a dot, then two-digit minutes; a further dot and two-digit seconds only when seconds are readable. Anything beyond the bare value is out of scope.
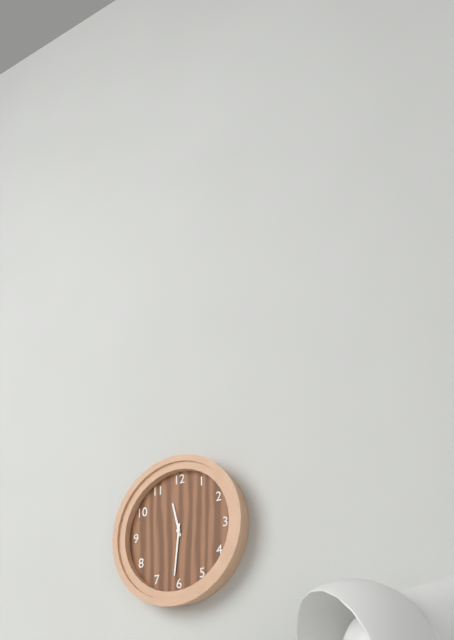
11.31
